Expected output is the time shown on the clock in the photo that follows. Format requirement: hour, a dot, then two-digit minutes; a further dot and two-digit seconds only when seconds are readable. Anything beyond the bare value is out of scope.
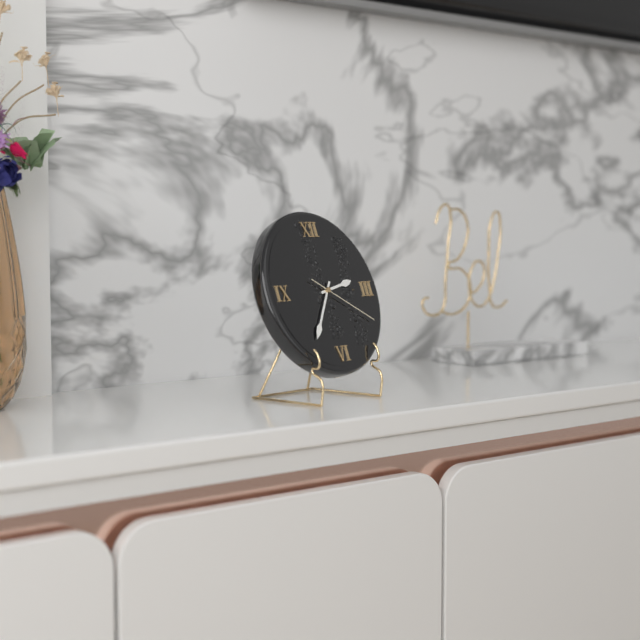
2.36.20
